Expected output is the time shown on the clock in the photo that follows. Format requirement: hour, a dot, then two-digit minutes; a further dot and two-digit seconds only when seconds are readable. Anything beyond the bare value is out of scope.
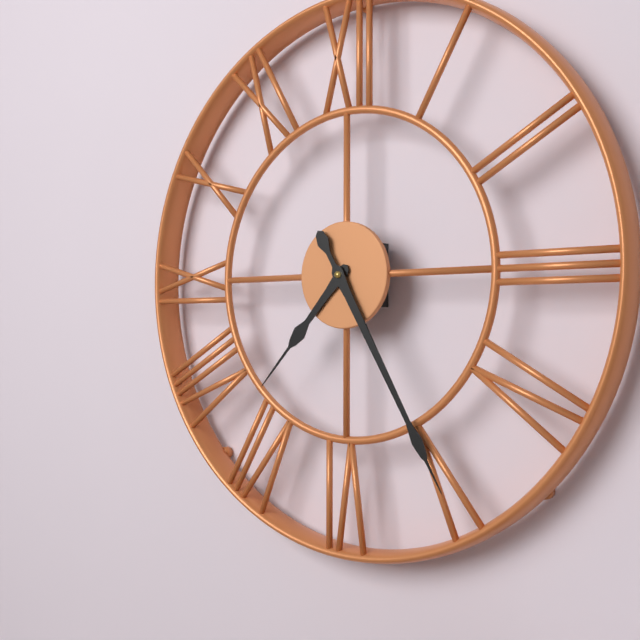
7.25
